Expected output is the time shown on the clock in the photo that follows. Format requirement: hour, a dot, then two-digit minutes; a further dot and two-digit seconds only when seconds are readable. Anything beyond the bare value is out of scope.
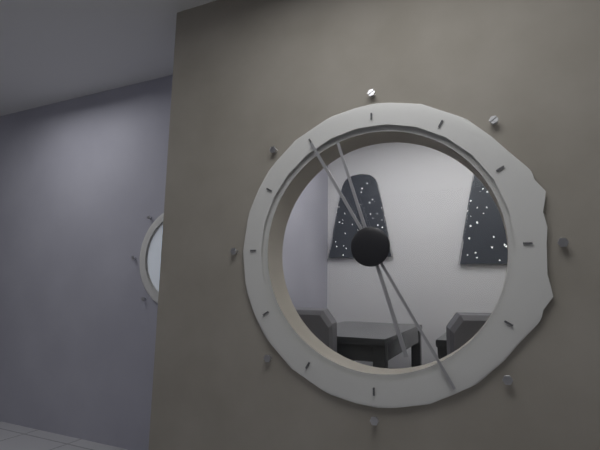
11.25
